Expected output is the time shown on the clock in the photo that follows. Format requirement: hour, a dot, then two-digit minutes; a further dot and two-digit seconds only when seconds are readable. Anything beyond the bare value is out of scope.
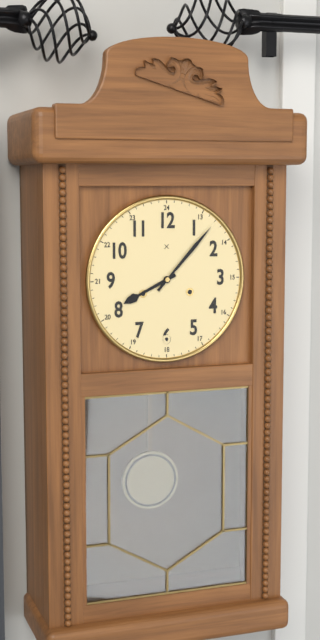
8.07
